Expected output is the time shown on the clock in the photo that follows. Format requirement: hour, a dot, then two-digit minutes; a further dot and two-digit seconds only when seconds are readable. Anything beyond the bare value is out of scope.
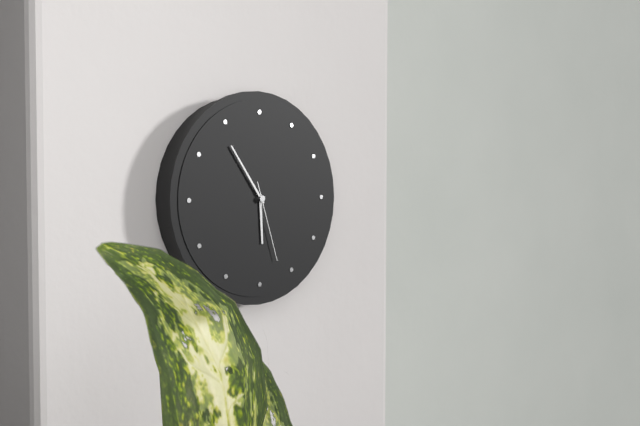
5.54.27
